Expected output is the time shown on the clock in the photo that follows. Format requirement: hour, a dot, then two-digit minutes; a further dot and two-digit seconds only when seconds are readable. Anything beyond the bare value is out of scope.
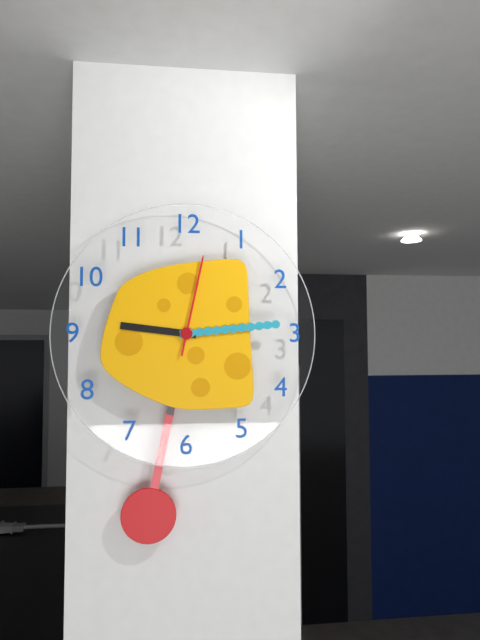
9.14.02
